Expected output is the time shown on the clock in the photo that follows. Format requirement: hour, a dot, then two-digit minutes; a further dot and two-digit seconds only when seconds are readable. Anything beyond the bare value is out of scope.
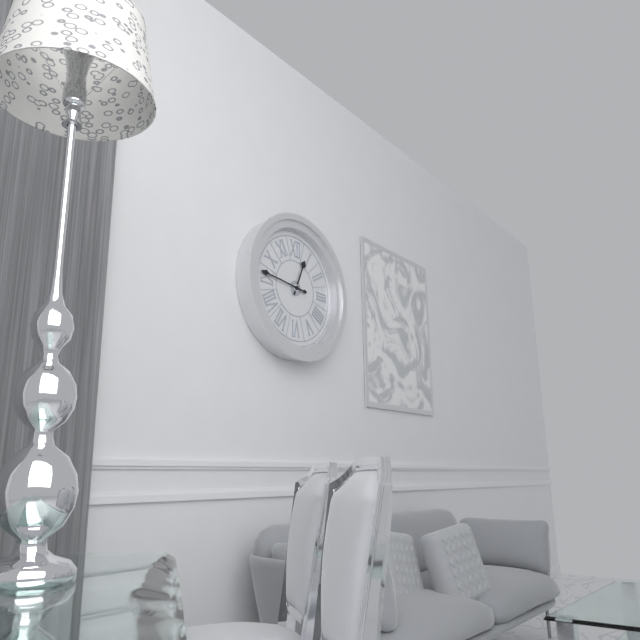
12.46
